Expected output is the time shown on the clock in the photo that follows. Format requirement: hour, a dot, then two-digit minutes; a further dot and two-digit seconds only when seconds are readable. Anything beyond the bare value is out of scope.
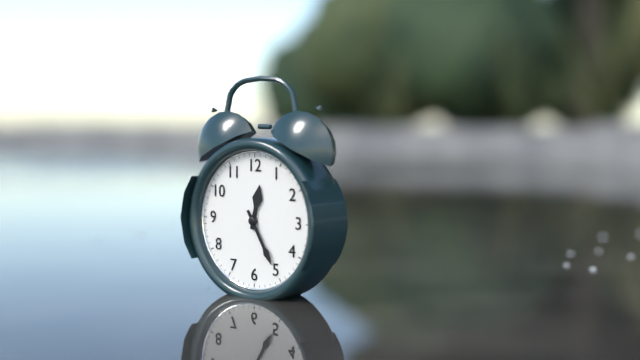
12.25
